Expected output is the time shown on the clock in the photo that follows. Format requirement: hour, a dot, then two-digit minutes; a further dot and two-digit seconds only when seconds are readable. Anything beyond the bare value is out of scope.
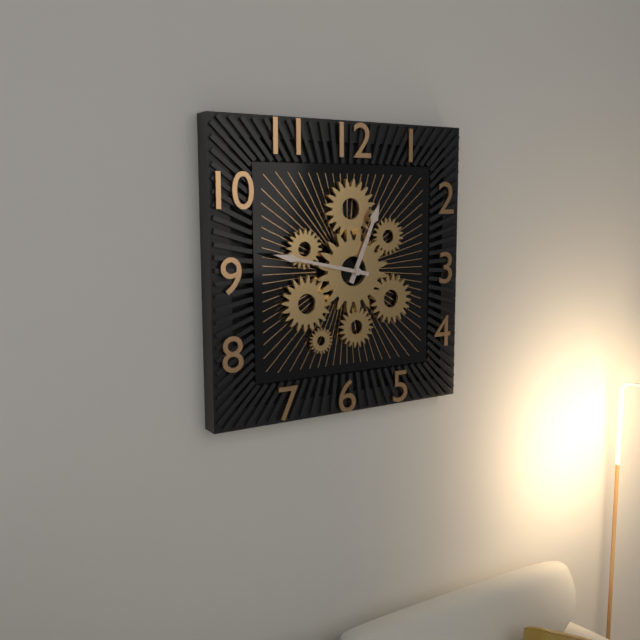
12.47
